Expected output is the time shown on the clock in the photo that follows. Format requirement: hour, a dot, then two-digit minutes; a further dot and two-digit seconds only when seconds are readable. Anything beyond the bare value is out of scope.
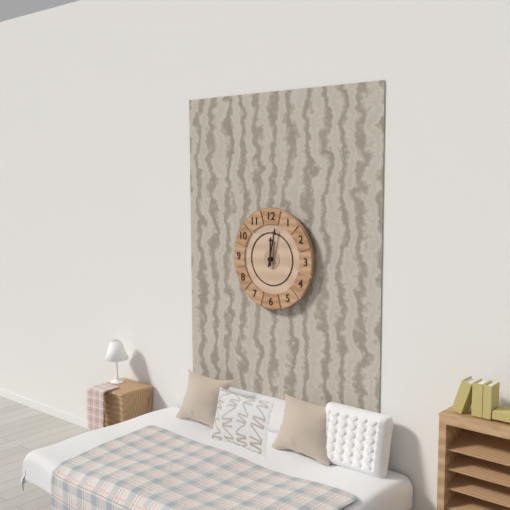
12.02
